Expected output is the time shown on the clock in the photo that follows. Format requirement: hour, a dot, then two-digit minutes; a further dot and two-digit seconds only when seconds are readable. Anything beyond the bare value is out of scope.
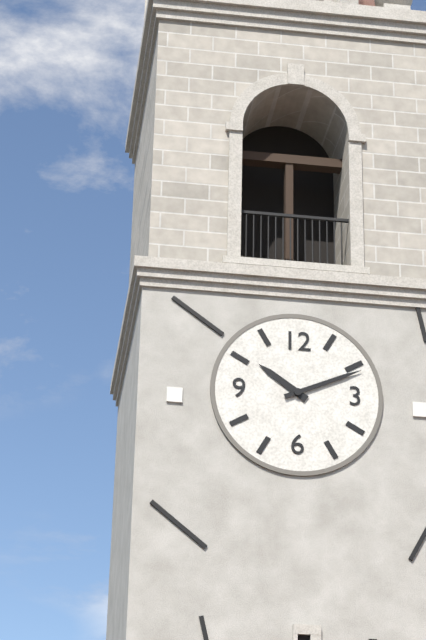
10.11
